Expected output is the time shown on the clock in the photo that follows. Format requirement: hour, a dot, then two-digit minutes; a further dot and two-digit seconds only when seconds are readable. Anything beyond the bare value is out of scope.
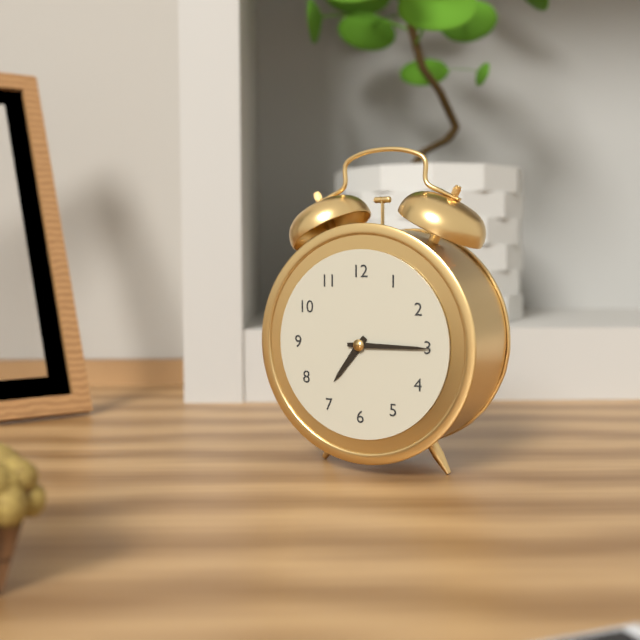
7.15
